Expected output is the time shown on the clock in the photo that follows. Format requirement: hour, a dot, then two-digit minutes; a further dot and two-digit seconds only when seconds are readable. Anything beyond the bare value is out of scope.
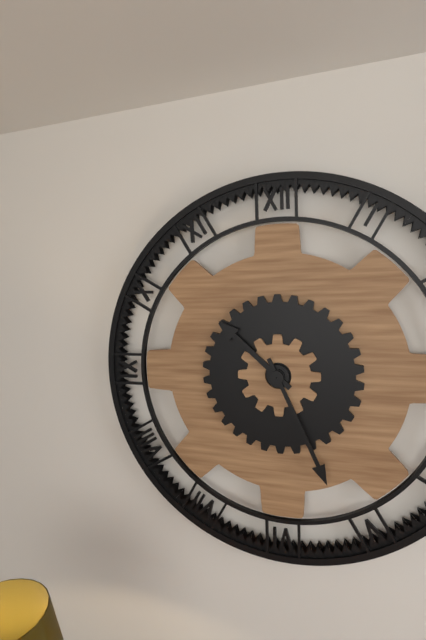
10.26
